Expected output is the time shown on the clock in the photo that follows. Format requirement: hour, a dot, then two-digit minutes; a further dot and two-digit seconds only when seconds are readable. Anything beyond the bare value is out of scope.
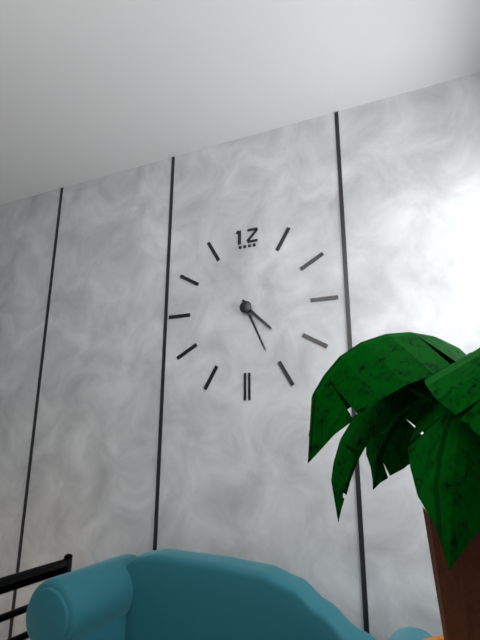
4.26
